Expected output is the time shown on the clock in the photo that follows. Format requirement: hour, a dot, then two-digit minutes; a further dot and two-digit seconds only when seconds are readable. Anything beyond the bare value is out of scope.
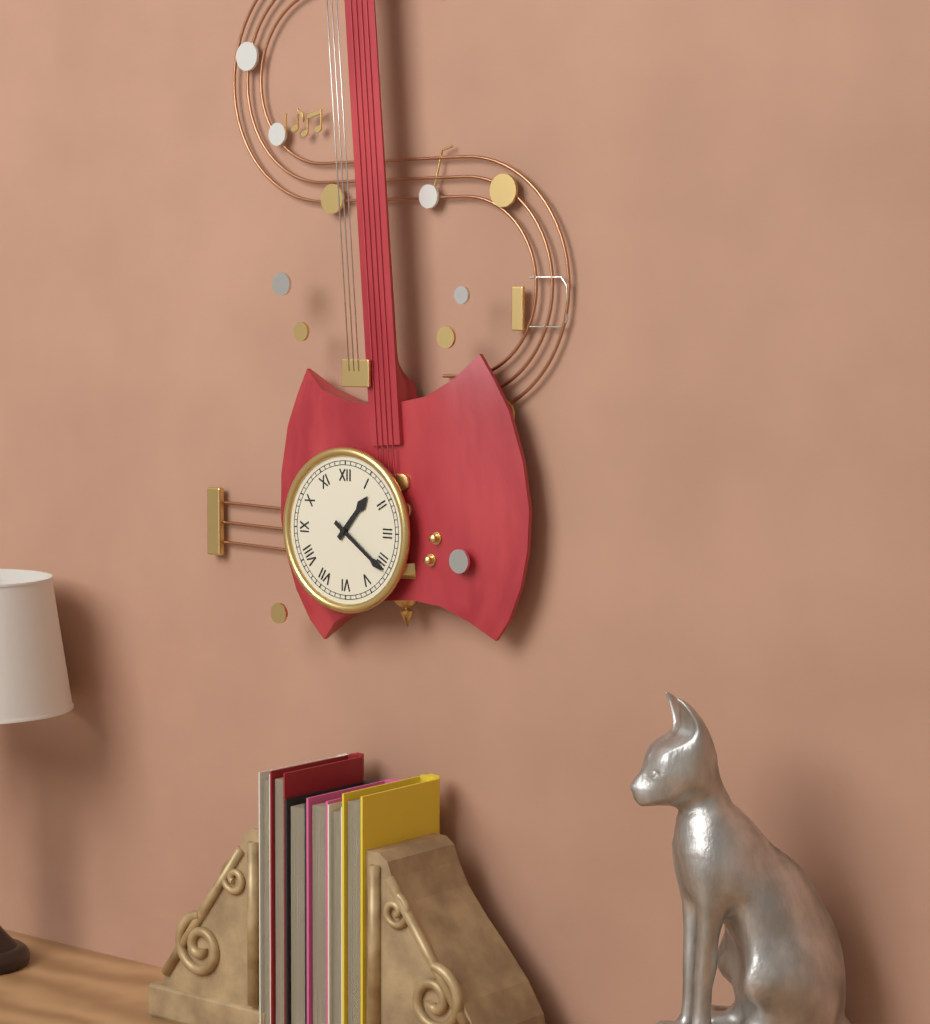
1.21
